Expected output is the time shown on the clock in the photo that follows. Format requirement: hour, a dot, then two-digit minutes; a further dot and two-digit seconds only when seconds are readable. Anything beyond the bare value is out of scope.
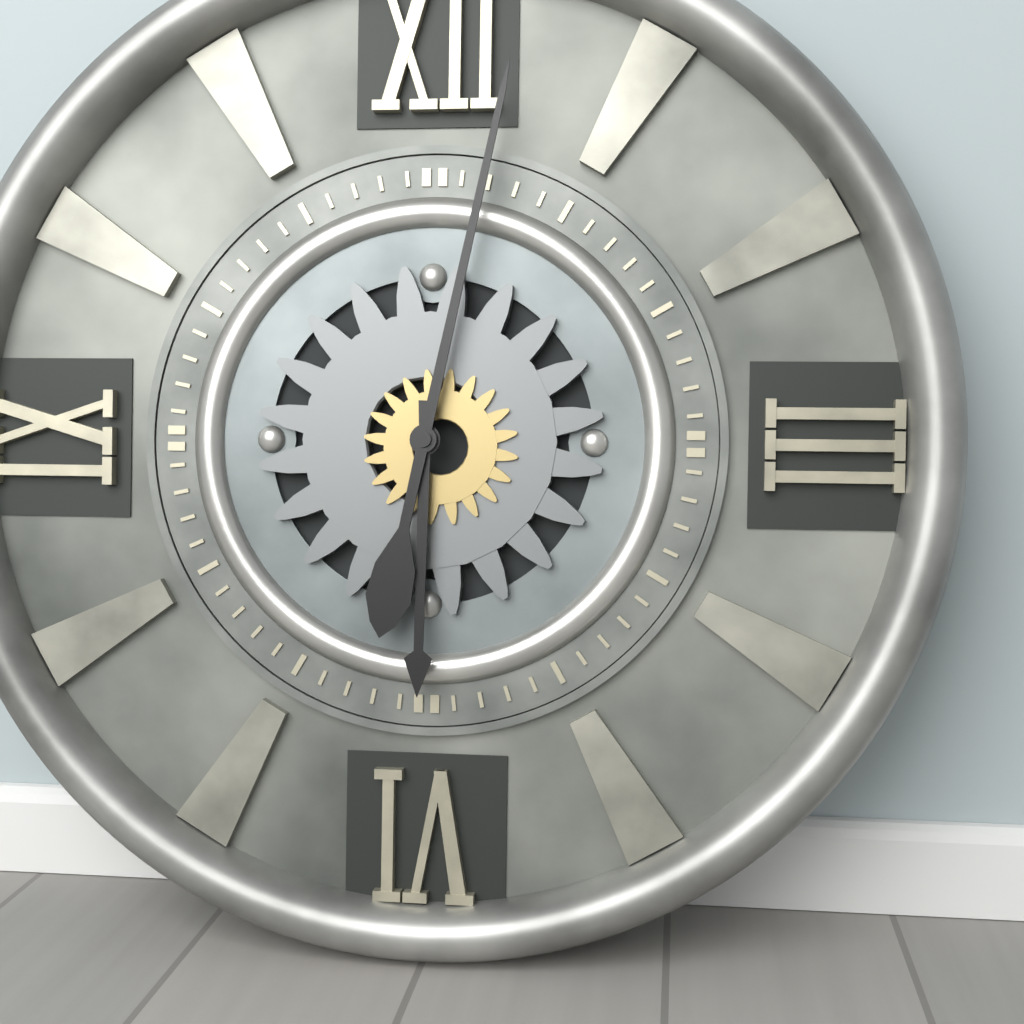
6.02
